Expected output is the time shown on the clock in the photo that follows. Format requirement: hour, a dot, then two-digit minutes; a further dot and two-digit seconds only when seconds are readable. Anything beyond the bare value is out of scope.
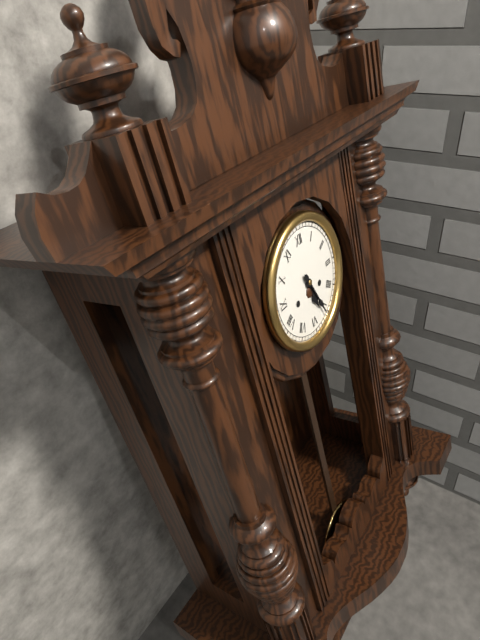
5.26
